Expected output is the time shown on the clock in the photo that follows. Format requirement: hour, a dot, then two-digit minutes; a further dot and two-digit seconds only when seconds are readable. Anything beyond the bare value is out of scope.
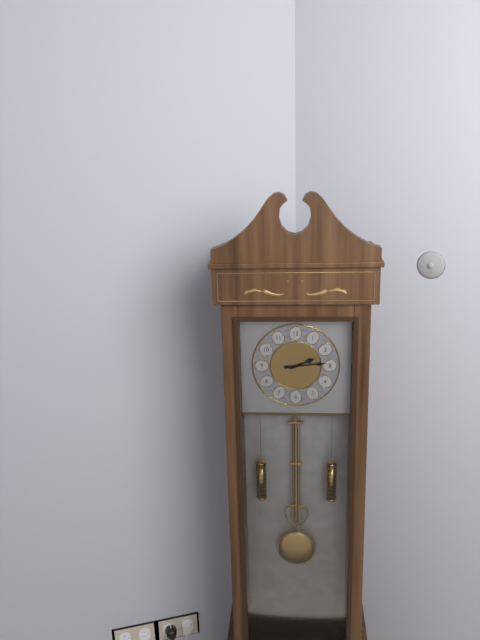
2.14
